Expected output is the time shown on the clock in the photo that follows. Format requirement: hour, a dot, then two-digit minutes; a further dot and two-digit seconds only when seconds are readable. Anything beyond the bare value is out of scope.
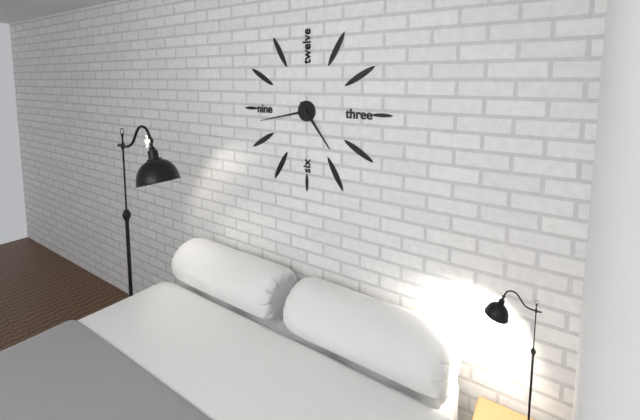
4.43
